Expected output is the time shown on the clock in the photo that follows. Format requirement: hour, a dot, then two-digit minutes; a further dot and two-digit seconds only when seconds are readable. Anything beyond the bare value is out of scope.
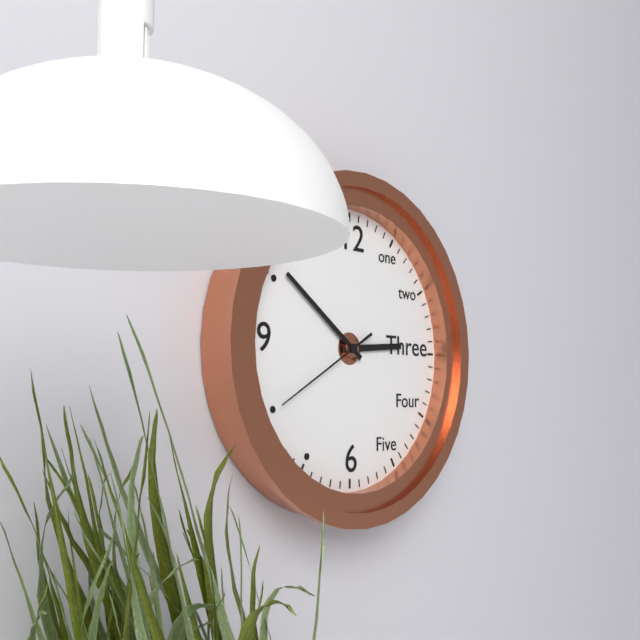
2.51.40
